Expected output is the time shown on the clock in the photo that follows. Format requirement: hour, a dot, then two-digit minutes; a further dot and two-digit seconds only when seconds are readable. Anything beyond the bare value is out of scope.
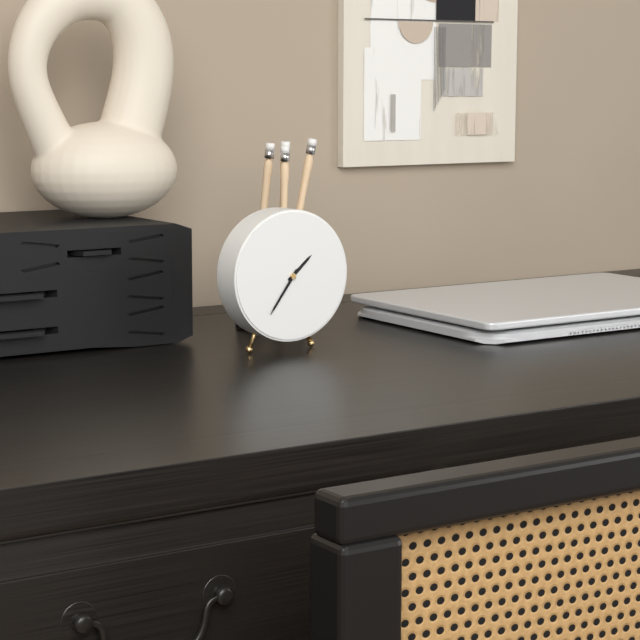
1.36
